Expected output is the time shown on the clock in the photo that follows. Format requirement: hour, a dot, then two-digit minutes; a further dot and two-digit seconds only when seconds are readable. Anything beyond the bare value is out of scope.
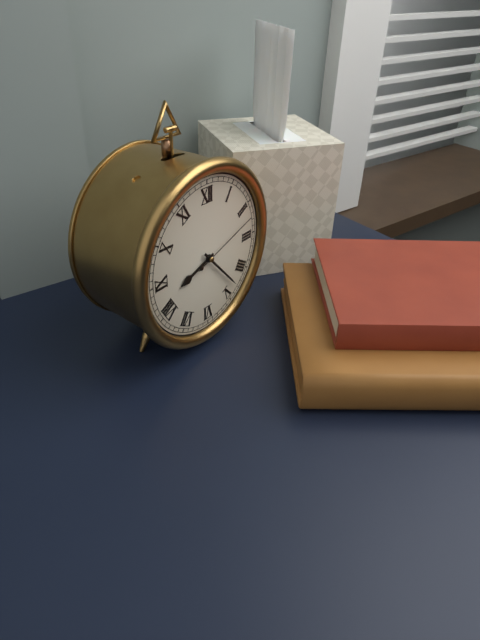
8.23.12
